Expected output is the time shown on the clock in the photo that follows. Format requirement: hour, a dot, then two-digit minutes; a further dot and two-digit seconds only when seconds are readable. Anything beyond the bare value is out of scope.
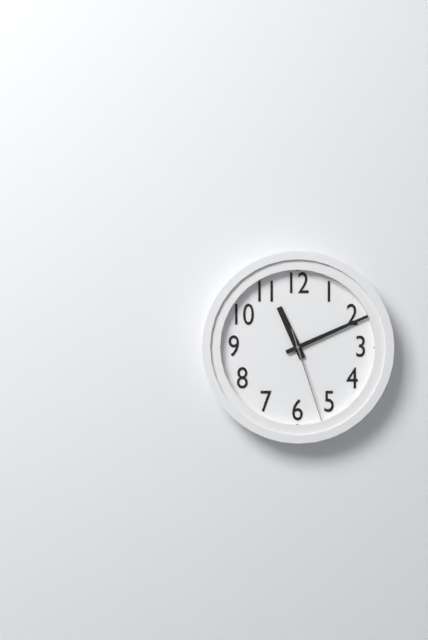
11.11.27
